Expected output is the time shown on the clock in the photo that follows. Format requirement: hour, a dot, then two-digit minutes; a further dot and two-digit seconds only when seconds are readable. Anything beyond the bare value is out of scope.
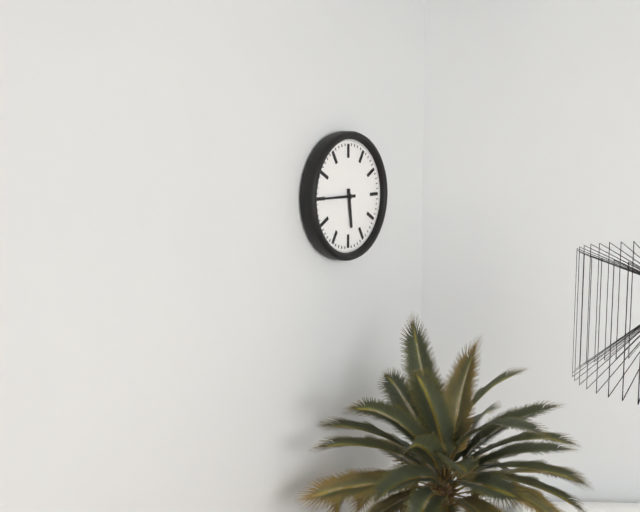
5.45
